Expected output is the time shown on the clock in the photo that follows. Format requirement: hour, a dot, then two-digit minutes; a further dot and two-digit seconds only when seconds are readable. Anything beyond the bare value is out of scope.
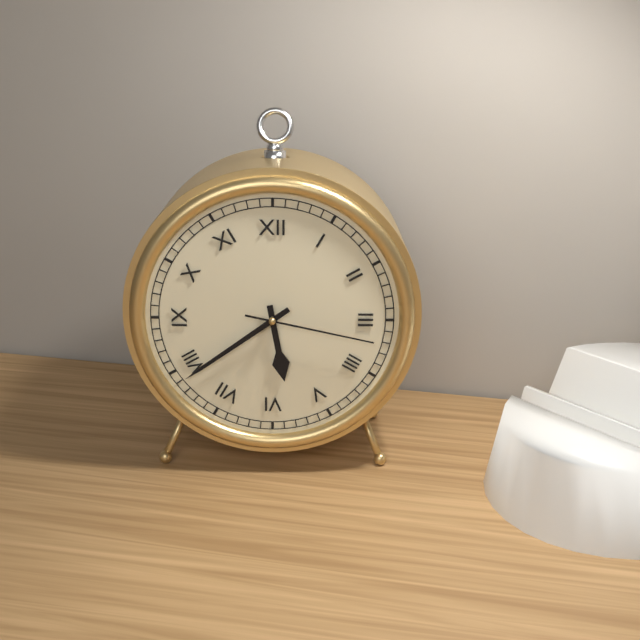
5.39.17
